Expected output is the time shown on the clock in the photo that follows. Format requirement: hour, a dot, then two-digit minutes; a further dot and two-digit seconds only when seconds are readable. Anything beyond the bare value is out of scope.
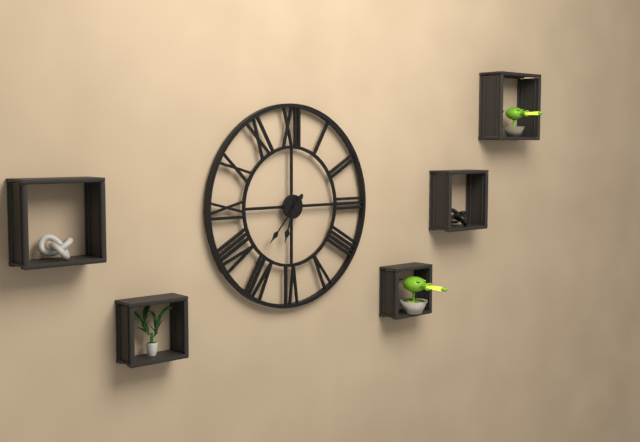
6.37
